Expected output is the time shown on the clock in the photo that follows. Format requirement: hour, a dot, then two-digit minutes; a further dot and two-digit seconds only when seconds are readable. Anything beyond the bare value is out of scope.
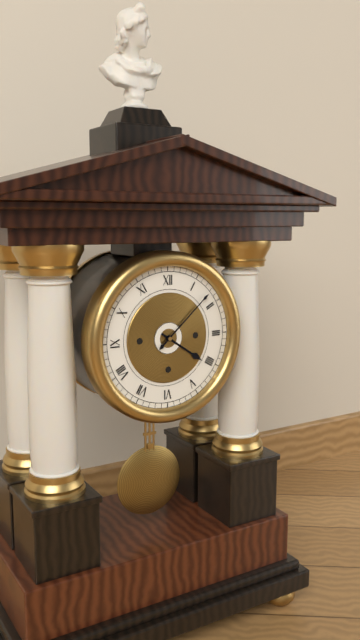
4.08
